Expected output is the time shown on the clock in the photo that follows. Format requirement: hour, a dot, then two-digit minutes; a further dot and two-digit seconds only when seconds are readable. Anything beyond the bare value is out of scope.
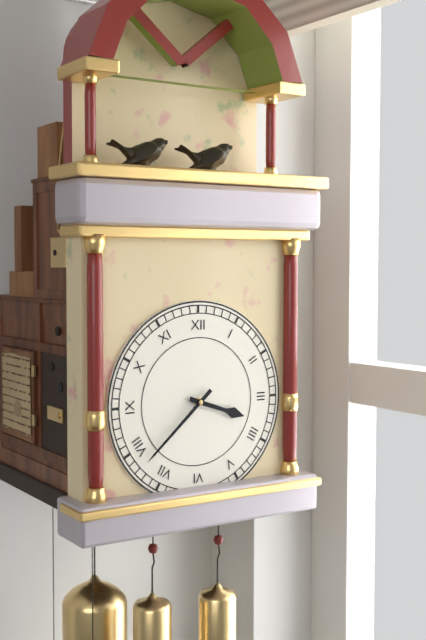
3.38
